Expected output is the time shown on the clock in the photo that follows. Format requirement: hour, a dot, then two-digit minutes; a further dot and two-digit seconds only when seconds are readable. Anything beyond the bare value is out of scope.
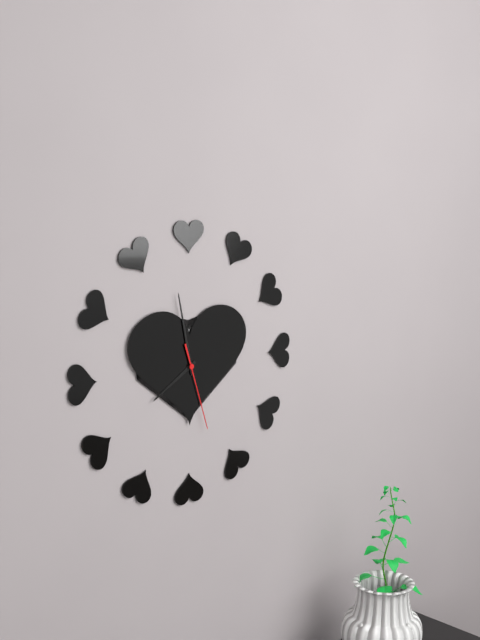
7.58.27
